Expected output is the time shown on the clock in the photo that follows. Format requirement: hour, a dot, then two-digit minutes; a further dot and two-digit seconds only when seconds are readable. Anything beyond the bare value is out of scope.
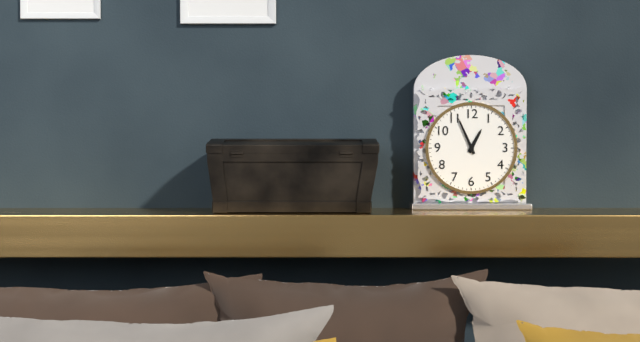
12.56
